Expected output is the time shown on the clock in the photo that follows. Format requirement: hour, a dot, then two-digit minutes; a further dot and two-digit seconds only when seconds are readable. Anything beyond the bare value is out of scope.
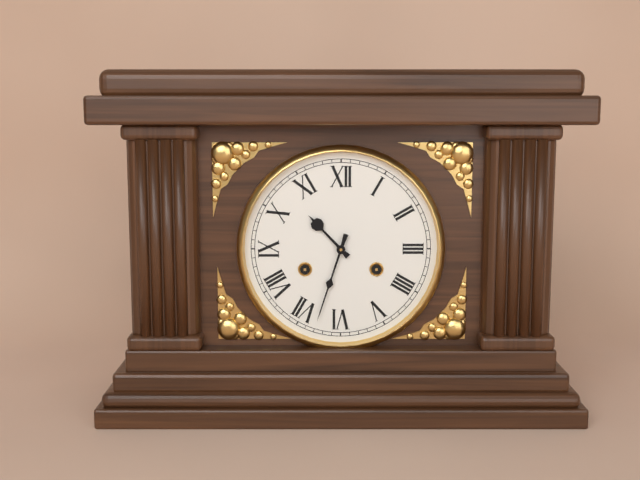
10.33
